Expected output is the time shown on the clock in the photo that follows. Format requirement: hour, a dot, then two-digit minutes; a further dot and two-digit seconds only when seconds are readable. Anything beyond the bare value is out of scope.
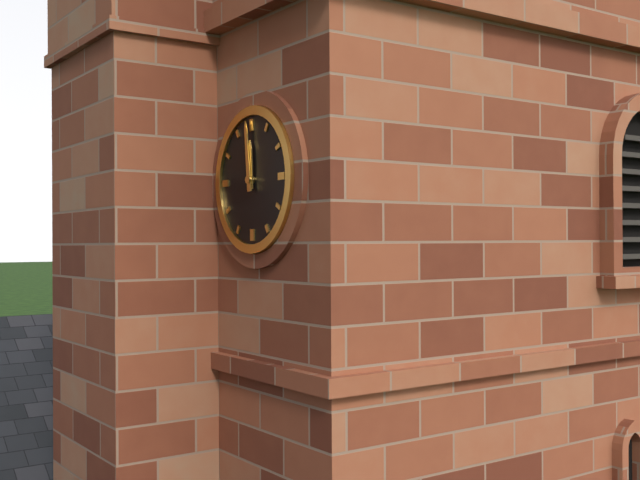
11.59
